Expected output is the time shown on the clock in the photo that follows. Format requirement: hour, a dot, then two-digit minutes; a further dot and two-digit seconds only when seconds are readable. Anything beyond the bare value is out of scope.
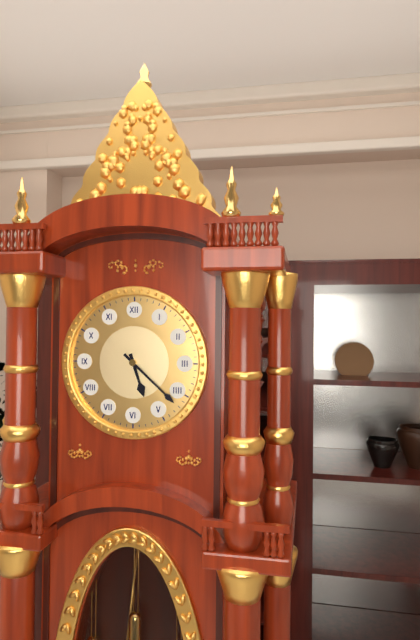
5.22
